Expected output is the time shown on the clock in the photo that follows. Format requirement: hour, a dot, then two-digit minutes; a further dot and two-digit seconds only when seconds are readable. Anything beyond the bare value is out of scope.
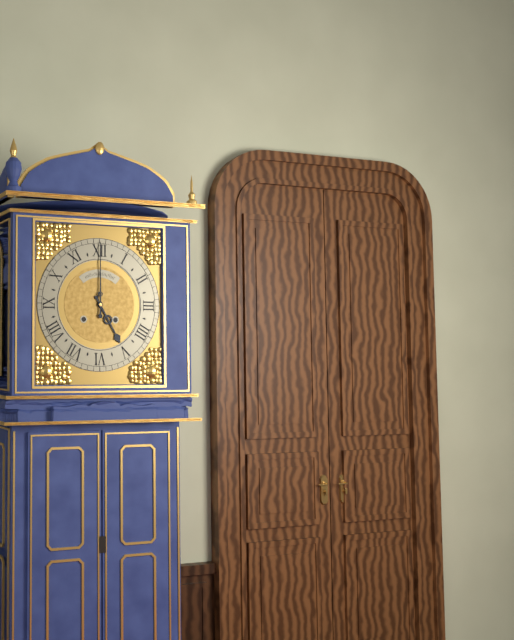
5.00
